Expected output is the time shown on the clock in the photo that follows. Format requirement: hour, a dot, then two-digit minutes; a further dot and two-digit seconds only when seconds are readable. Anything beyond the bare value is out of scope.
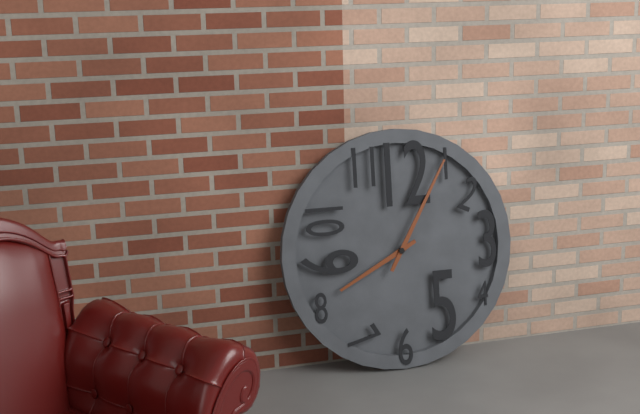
8.05
